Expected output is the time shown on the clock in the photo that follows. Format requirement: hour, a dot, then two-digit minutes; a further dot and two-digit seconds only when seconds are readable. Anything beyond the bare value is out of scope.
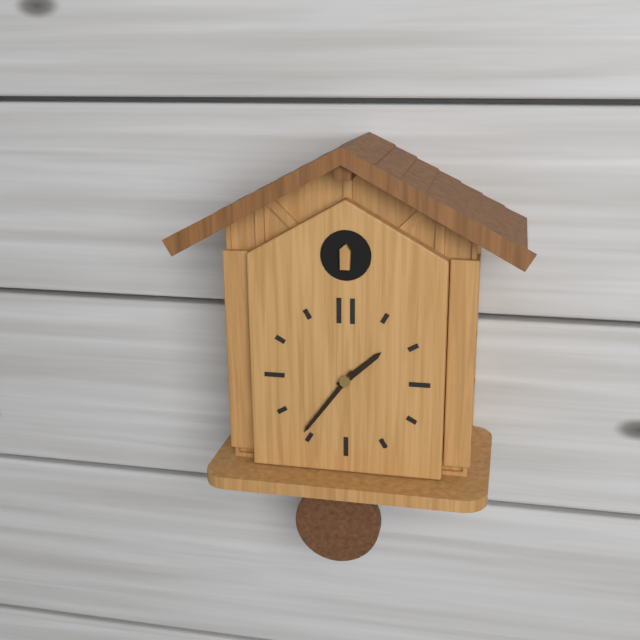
1.36
